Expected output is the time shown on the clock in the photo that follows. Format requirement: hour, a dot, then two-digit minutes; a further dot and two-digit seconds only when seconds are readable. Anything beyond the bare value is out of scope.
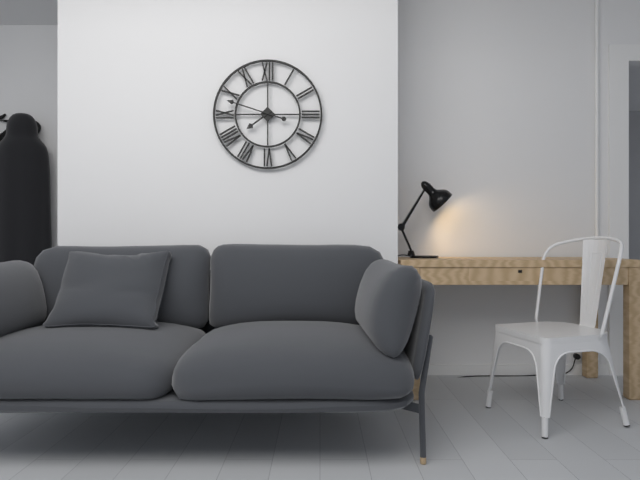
7.48
